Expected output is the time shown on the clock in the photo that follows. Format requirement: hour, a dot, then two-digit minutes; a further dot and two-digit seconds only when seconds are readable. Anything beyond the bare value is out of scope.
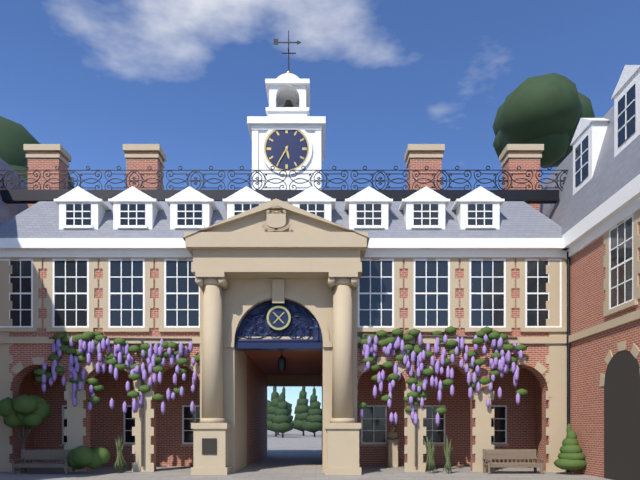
5.35
